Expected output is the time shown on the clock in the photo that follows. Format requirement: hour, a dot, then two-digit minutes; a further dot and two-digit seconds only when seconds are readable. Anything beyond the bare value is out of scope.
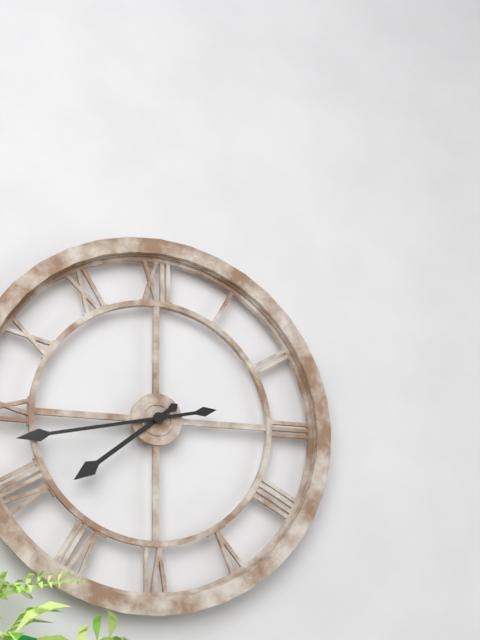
7.43
